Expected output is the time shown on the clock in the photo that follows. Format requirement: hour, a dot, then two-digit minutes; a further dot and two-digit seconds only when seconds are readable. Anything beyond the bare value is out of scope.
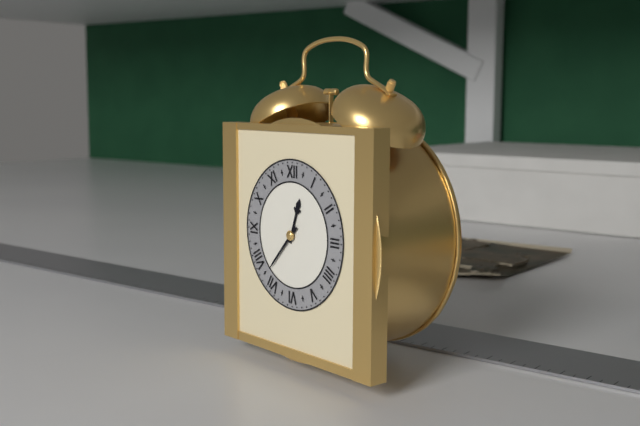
12.37
